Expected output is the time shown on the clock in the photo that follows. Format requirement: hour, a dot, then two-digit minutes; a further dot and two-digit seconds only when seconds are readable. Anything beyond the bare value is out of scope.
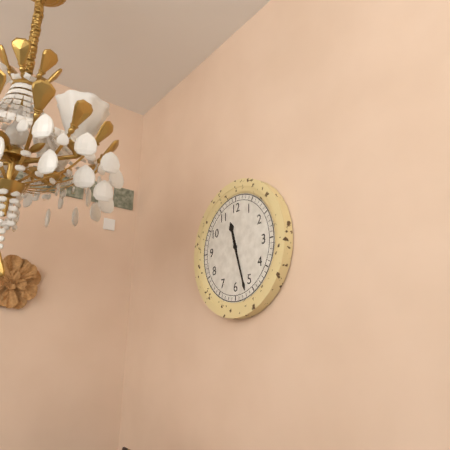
11.27
